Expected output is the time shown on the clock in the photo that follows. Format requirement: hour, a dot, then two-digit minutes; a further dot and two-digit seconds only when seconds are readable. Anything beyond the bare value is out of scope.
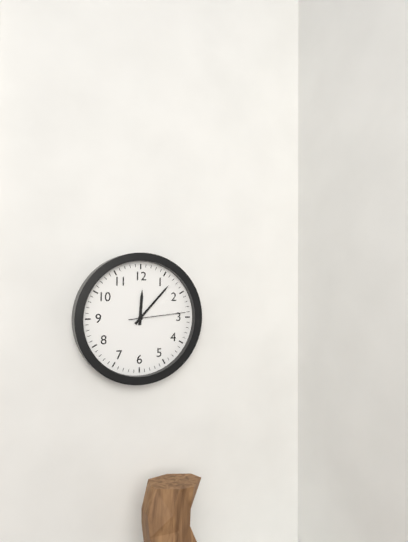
12.07.14
